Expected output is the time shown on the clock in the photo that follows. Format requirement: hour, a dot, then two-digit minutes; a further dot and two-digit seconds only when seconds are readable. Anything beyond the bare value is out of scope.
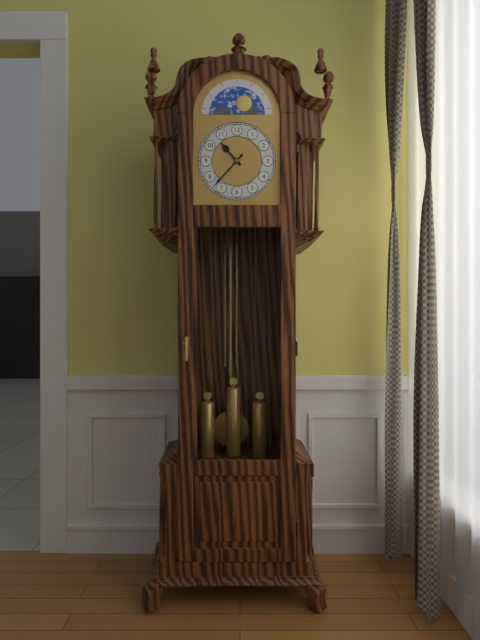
10.37
